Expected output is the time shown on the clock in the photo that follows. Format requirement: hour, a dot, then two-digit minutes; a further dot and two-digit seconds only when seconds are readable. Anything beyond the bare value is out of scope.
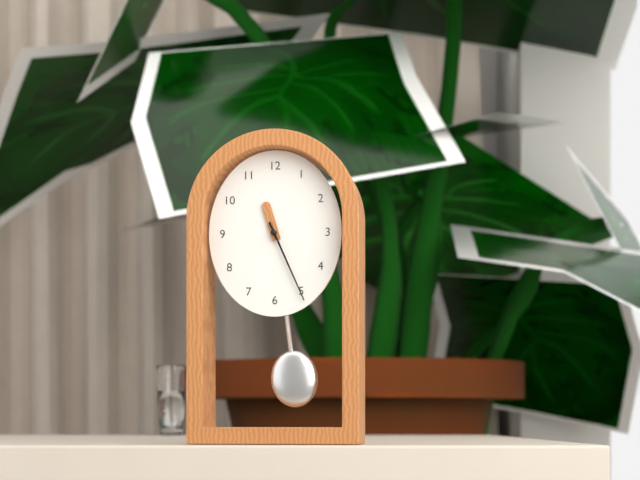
11.26
